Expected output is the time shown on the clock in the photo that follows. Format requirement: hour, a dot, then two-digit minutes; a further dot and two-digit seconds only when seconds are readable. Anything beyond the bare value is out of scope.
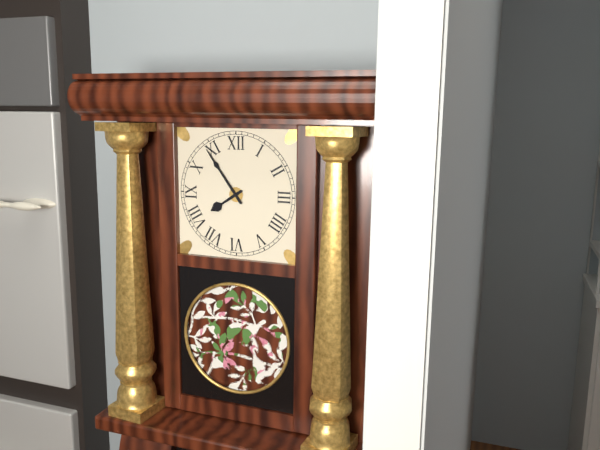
7.54
